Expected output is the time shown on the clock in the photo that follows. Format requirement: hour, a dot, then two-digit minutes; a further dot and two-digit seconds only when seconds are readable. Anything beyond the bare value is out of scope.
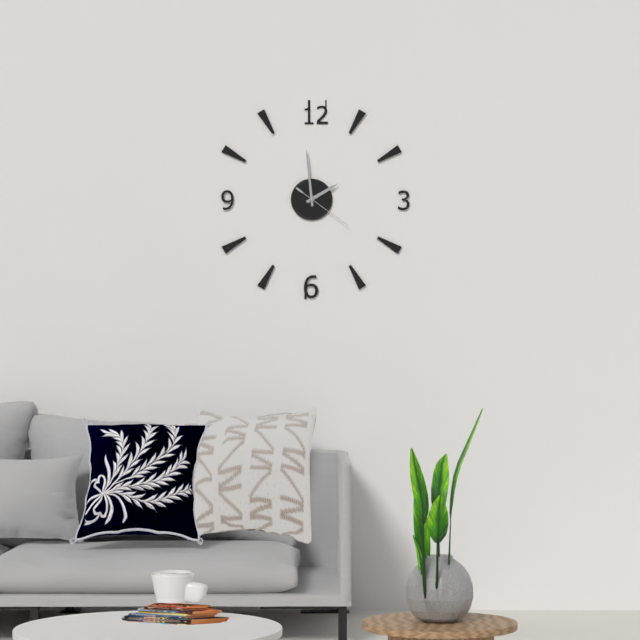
1.59.21
